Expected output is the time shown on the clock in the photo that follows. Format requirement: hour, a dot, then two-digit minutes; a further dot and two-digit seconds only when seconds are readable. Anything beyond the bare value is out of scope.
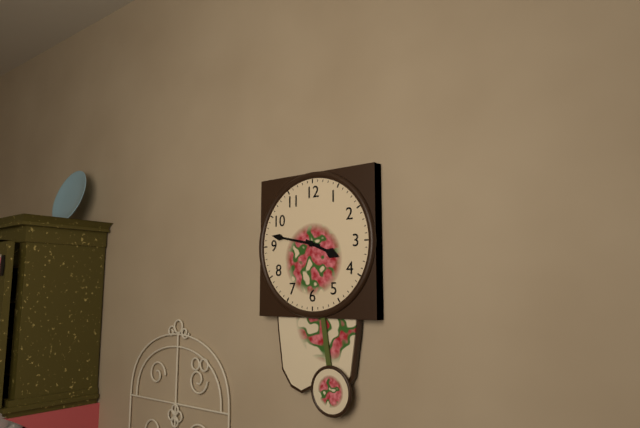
3.47
